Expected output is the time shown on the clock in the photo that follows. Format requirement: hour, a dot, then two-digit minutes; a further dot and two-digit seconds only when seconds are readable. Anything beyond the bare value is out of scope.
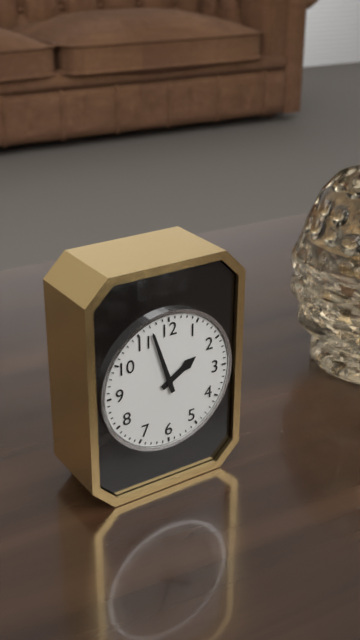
1.57
